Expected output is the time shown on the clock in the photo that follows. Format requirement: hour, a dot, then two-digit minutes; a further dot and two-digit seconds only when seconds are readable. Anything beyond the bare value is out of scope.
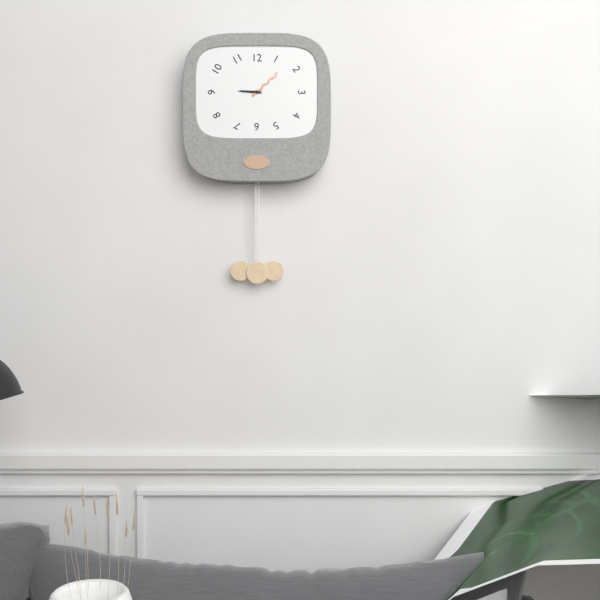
9.08
